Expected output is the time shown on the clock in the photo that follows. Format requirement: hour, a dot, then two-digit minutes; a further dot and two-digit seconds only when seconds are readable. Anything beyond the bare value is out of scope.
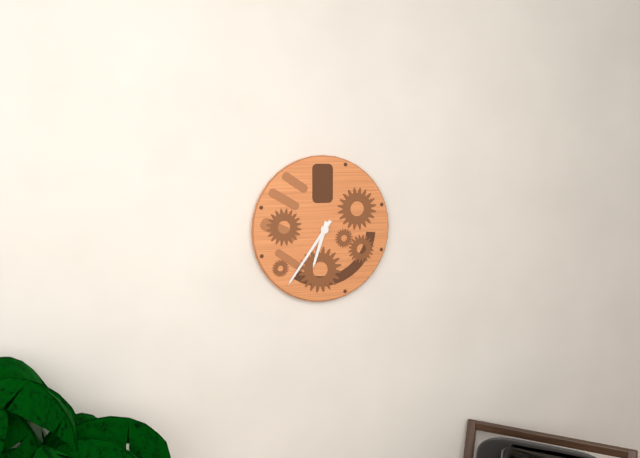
6.36
